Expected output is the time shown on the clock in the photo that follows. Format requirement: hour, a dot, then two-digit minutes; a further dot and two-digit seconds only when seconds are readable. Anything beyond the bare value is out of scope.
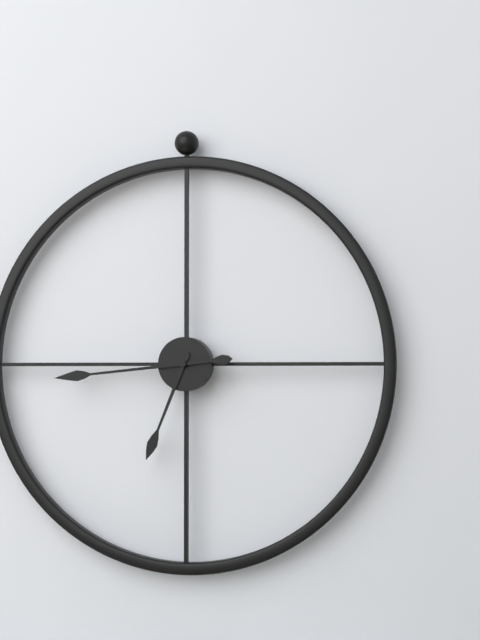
6.44
